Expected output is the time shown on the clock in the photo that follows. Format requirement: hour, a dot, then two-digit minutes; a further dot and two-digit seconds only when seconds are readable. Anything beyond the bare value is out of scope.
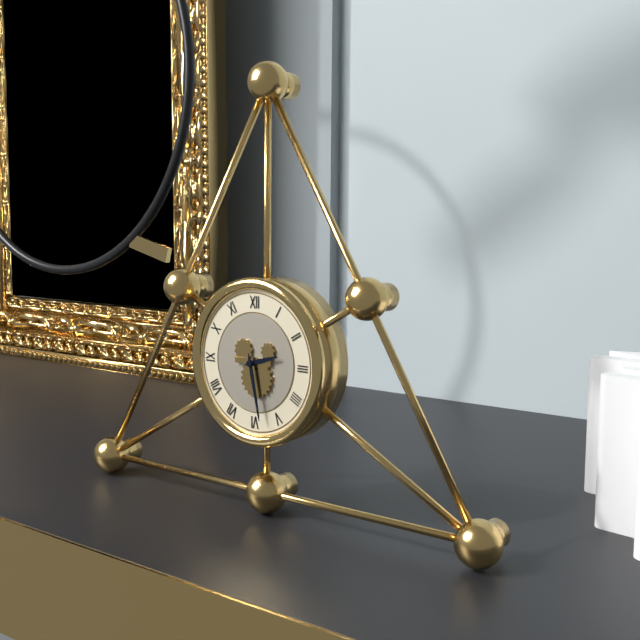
2.28
